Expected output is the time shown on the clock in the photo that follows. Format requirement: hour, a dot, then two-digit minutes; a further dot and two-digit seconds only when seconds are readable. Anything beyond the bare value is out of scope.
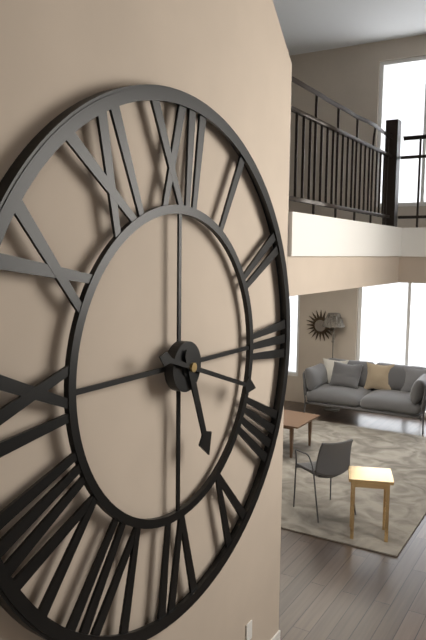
5.18
